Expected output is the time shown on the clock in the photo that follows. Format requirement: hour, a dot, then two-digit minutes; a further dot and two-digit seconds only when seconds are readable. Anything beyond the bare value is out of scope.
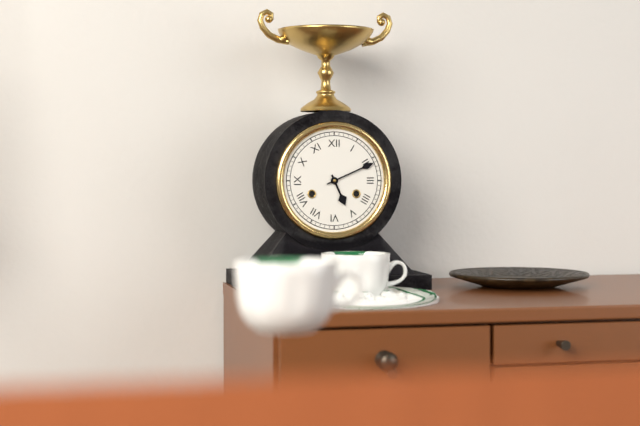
5.11
